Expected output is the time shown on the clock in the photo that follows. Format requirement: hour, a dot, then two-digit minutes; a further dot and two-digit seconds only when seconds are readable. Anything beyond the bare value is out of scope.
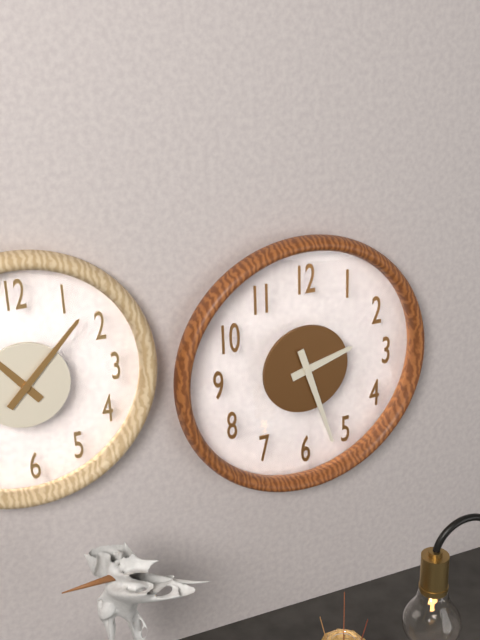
2.27
